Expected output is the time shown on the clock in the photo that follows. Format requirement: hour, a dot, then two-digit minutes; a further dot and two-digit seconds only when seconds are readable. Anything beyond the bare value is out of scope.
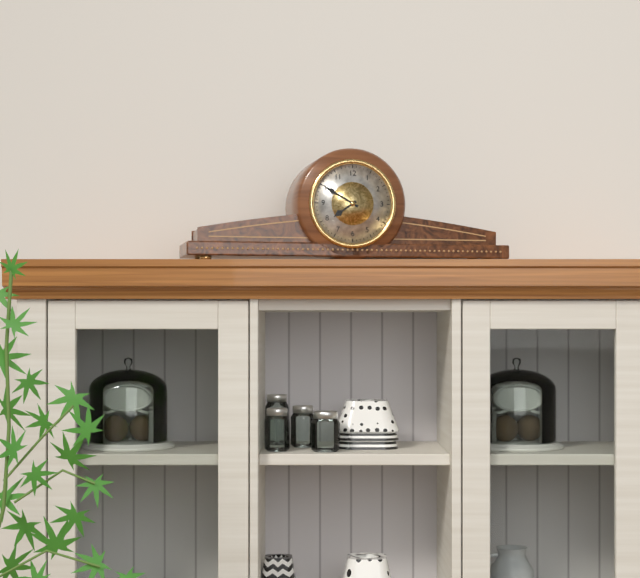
7.50
